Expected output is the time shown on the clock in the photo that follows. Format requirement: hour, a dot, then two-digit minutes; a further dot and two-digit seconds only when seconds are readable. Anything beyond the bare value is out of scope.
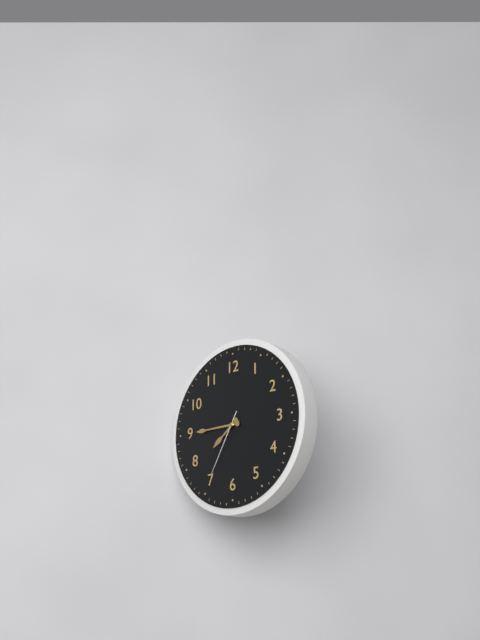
7.45.35
